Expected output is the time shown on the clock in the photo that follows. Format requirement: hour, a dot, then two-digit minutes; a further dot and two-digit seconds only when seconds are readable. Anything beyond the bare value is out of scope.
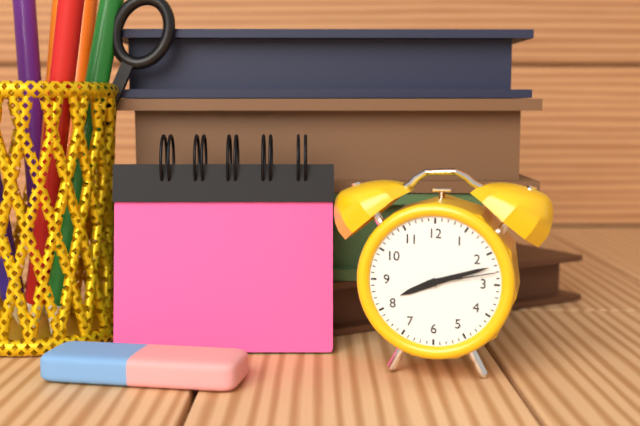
8.12.13
